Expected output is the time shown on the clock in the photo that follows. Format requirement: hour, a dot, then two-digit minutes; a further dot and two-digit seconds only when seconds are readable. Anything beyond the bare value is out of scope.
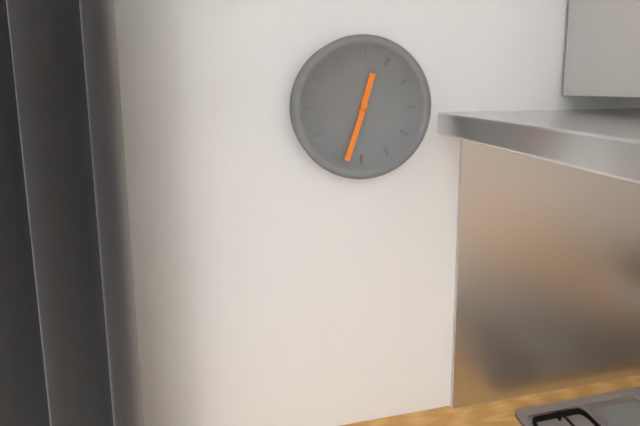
12.33
